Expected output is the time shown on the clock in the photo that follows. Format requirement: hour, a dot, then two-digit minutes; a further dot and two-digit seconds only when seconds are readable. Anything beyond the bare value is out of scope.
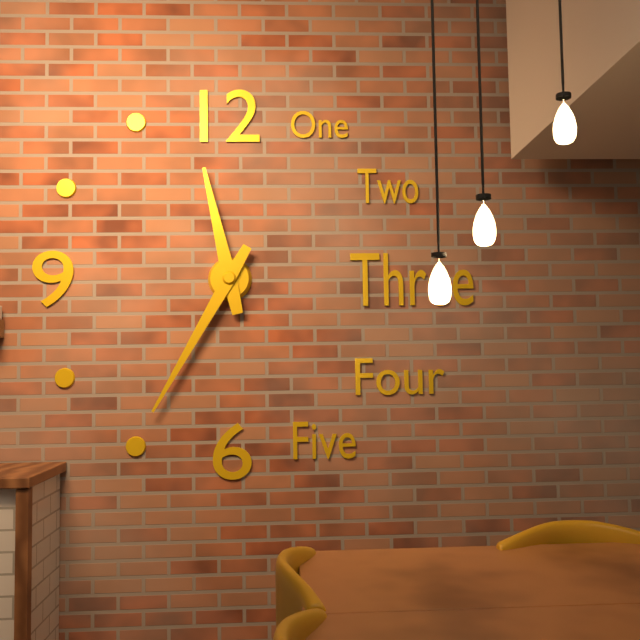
11.35
